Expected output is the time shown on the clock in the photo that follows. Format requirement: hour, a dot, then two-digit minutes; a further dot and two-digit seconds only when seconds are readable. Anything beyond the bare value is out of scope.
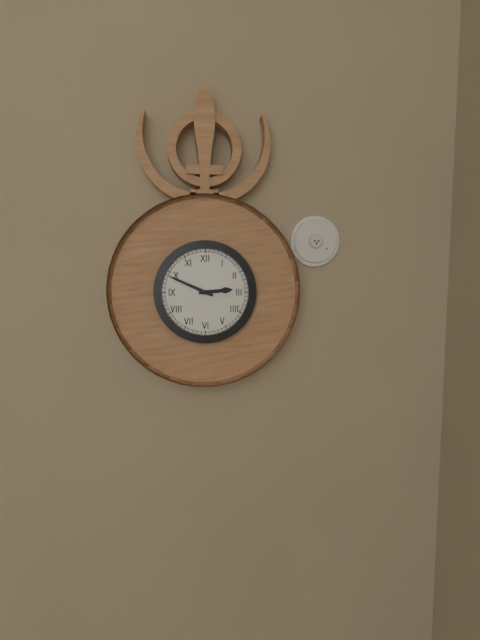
2.49
